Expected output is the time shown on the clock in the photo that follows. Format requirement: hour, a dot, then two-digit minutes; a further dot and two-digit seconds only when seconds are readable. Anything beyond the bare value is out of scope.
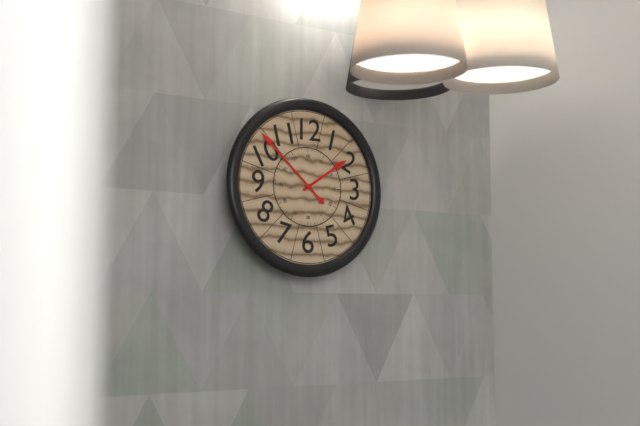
1.52
